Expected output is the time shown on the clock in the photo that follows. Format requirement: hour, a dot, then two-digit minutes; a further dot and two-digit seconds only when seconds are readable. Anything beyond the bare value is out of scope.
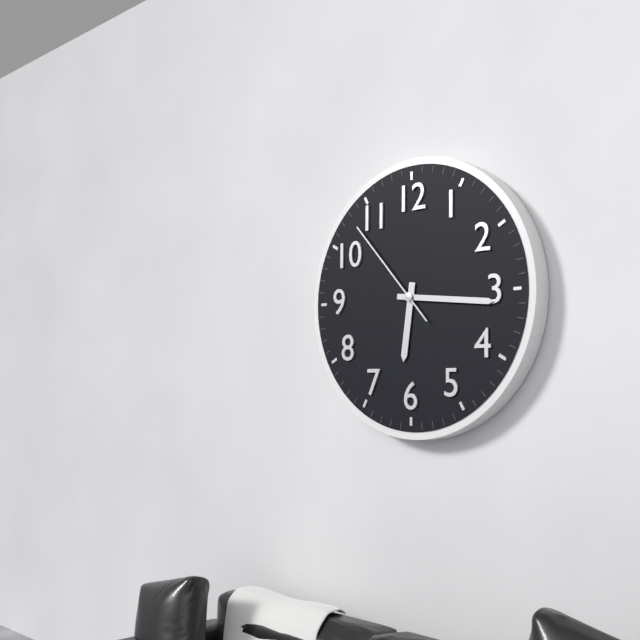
6.16.53
